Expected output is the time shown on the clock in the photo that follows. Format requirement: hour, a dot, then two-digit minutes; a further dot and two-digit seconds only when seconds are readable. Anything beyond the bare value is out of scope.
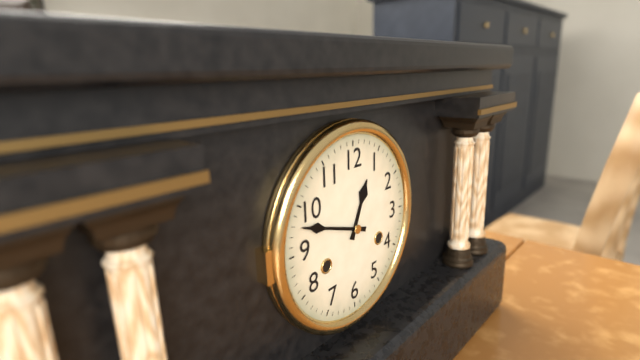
12.48
